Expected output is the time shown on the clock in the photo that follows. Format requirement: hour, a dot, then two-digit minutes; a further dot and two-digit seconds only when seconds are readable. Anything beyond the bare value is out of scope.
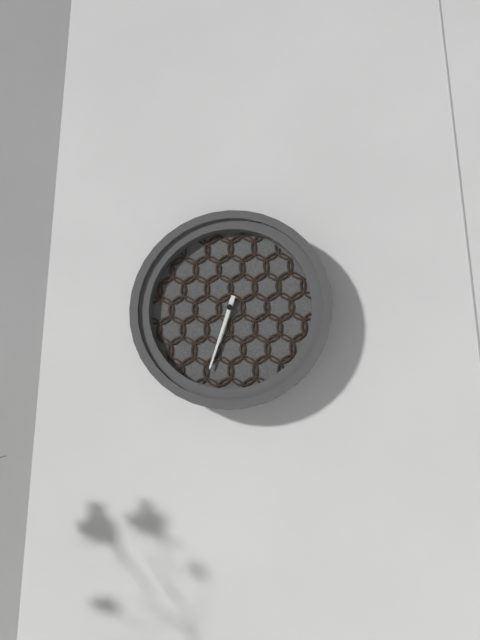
6.33
